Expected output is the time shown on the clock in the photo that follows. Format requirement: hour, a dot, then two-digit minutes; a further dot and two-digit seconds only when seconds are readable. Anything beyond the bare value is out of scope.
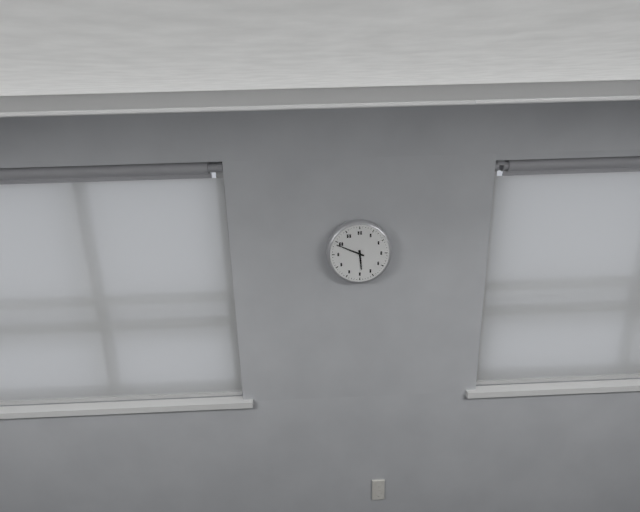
5.49
